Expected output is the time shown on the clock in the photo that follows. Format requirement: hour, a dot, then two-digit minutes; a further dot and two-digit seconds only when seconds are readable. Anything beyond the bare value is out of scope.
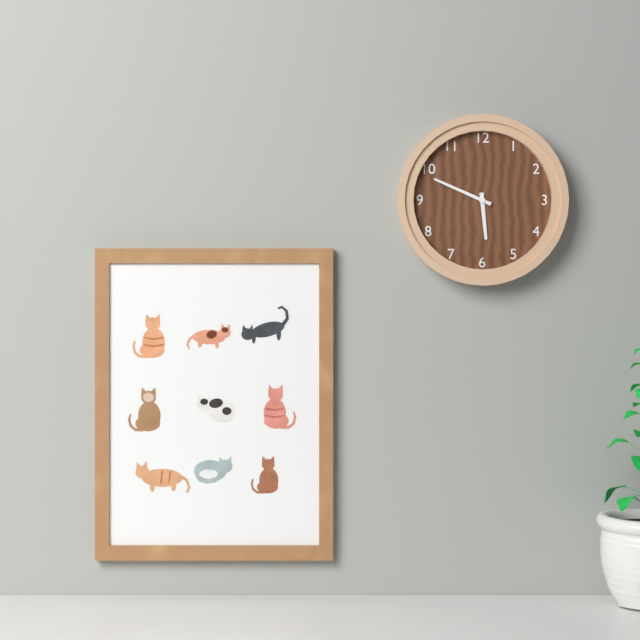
5.49
